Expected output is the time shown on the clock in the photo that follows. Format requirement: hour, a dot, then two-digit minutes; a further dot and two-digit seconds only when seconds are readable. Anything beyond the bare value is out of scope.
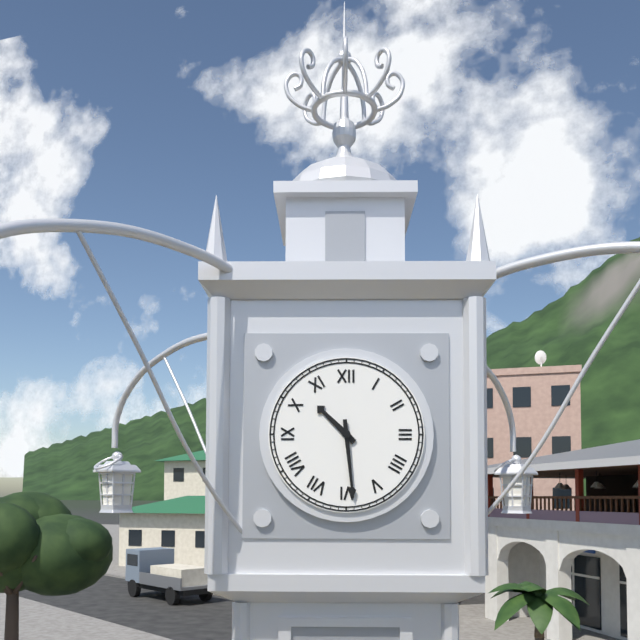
10.29
